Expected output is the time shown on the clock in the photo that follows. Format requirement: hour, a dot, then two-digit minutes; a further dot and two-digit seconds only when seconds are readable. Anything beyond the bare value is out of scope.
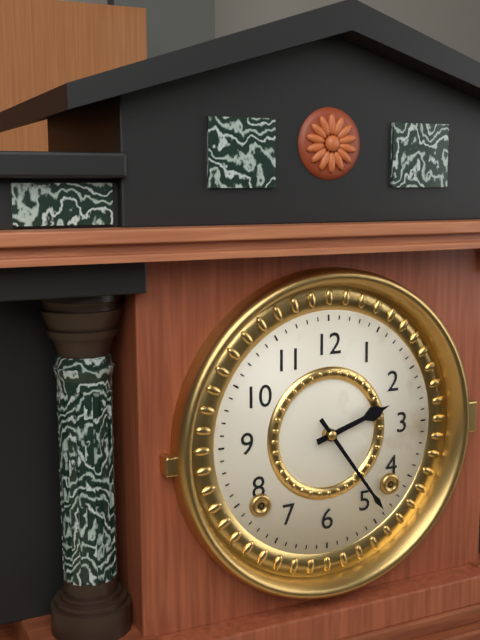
2.24
